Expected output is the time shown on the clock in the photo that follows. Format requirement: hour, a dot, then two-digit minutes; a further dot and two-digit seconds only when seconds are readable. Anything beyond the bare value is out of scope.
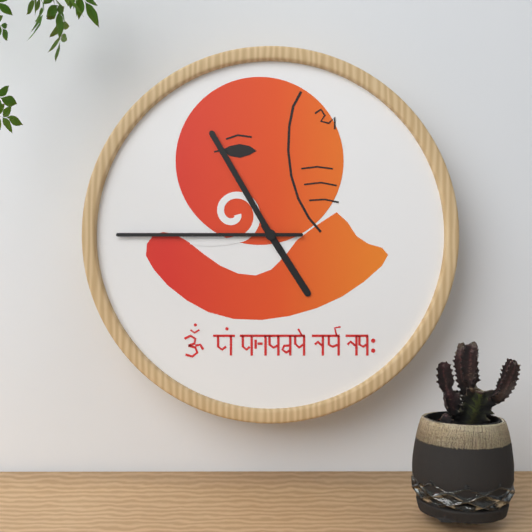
4.55.45
